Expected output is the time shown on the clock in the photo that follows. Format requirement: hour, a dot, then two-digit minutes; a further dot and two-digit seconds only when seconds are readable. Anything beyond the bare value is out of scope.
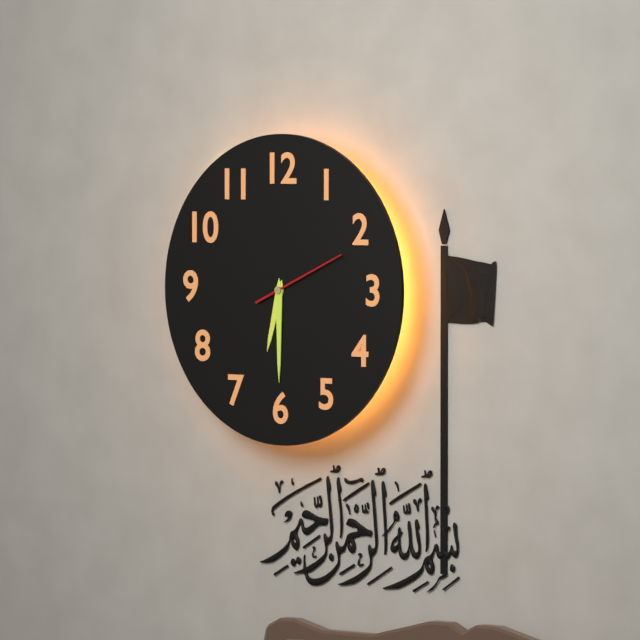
6.30.11
